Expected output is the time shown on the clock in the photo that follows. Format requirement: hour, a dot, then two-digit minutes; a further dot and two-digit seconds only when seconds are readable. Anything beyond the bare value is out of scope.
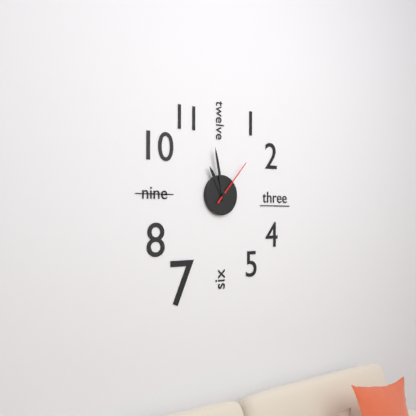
10.58.07
